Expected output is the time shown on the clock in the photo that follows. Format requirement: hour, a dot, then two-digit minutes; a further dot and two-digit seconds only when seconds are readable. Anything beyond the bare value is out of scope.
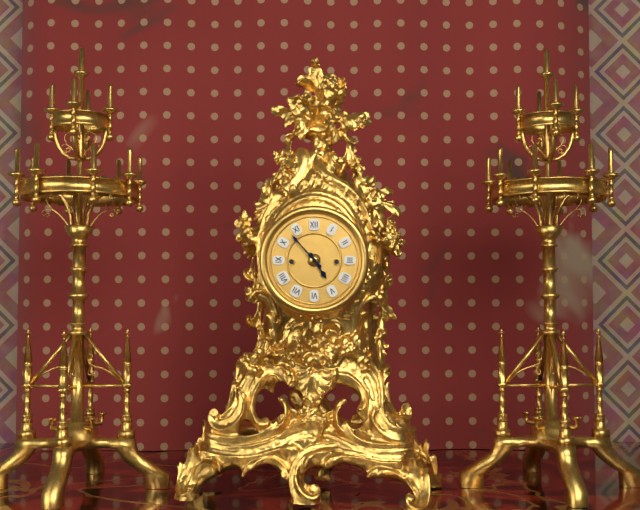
4.53
